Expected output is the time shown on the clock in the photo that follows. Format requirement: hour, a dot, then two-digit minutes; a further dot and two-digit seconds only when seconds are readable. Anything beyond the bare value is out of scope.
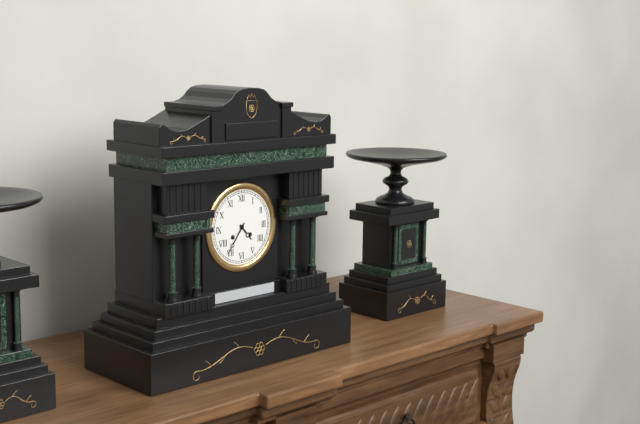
4.36
